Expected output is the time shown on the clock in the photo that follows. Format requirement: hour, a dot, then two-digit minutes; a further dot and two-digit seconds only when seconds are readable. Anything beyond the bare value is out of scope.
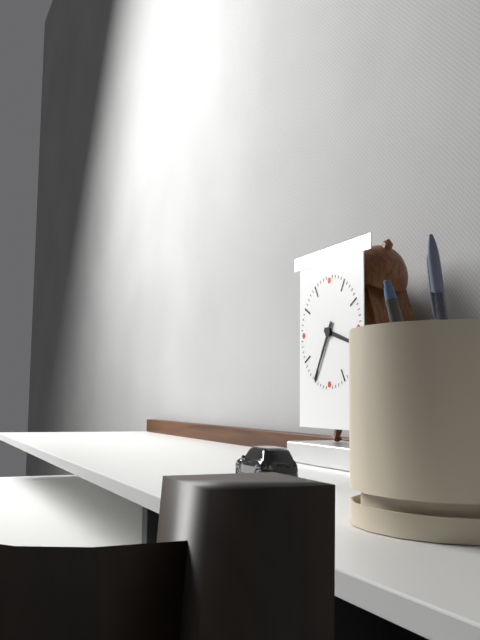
3.35
